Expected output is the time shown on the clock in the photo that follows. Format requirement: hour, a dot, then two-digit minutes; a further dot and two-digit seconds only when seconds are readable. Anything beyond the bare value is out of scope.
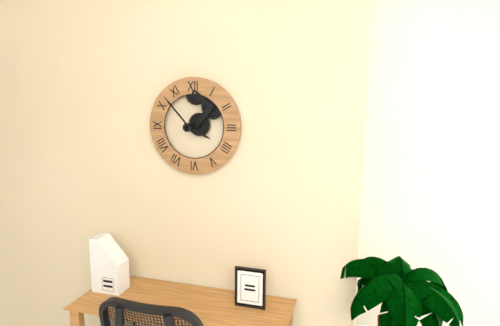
3.53
